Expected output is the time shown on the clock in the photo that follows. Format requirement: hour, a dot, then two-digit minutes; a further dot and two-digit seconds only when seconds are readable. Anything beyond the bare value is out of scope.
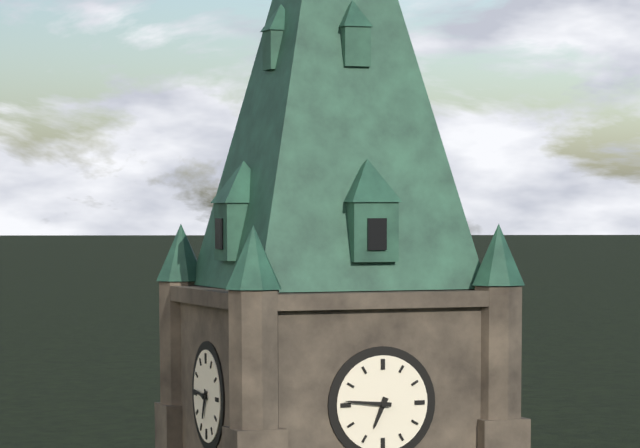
6.46
